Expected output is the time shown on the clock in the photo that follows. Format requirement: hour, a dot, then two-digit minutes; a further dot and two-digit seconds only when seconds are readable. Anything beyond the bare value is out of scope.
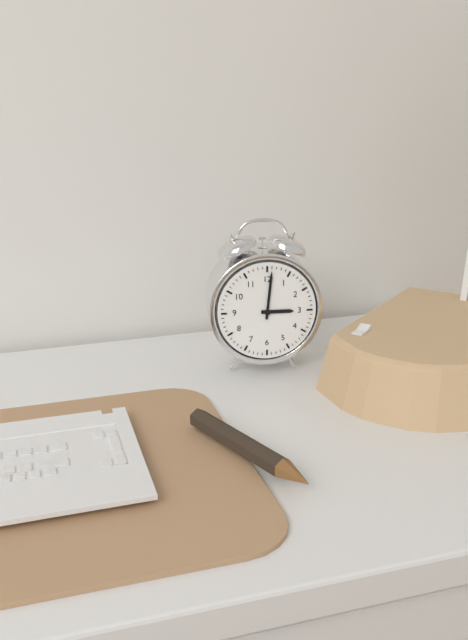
3.01
